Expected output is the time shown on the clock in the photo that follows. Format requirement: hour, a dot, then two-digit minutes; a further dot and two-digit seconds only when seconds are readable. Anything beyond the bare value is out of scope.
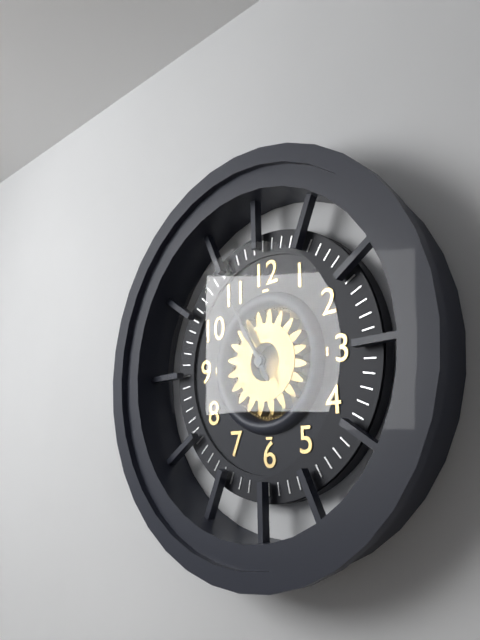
10.55
